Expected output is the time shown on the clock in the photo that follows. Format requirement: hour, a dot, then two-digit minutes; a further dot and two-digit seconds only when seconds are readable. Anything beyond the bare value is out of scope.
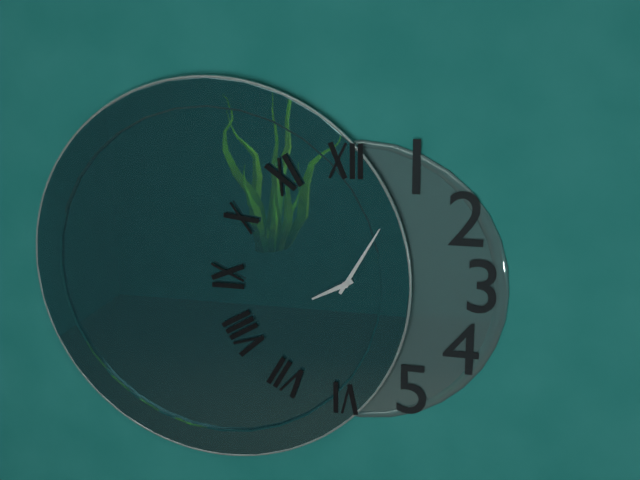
8.05
